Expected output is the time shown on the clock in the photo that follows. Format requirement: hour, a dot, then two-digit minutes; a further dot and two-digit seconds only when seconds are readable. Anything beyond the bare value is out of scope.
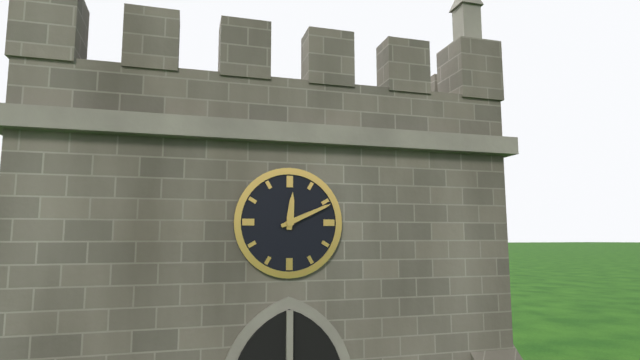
12.11
